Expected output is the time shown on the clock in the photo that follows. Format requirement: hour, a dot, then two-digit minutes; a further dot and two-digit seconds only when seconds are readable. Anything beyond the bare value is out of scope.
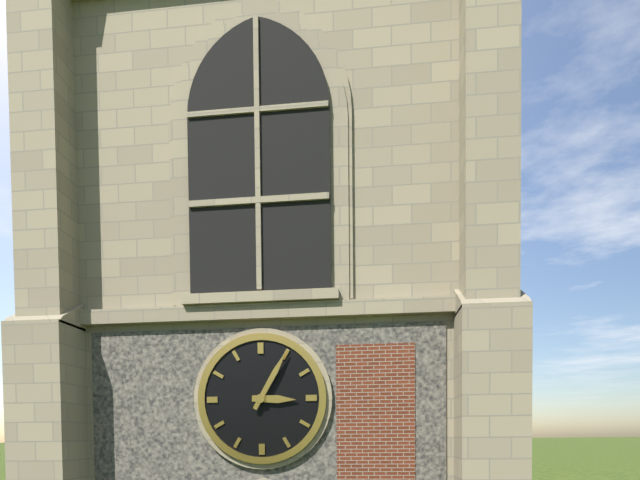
3.05
